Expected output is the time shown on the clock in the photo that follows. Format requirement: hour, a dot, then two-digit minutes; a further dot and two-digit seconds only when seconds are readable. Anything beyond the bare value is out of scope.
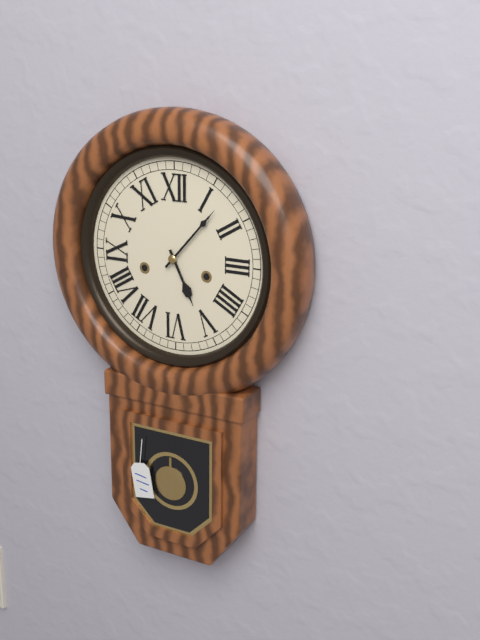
5.07
